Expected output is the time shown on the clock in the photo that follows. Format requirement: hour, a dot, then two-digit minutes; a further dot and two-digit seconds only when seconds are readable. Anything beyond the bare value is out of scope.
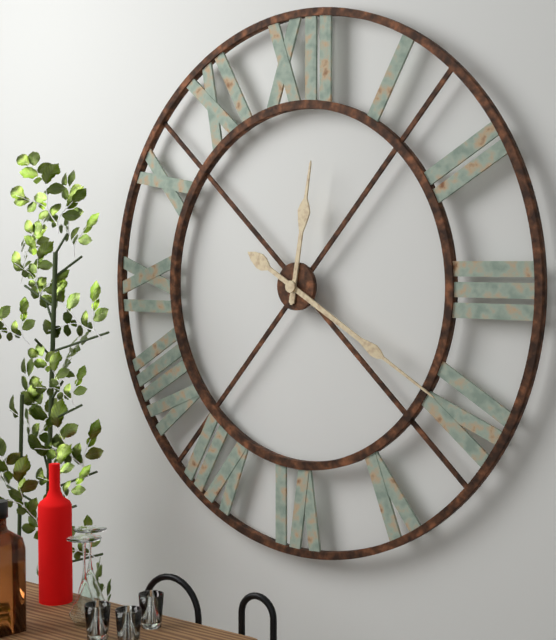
12.20
